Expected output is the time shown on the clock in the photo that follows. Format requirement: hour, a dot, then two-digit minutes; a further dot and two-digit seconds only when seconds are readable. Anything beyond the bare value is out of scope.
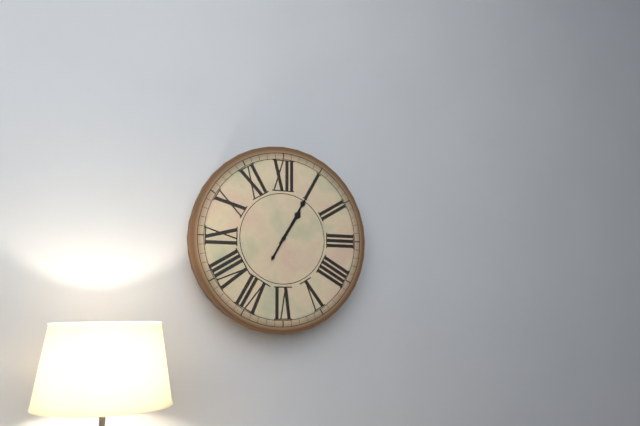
1.05
